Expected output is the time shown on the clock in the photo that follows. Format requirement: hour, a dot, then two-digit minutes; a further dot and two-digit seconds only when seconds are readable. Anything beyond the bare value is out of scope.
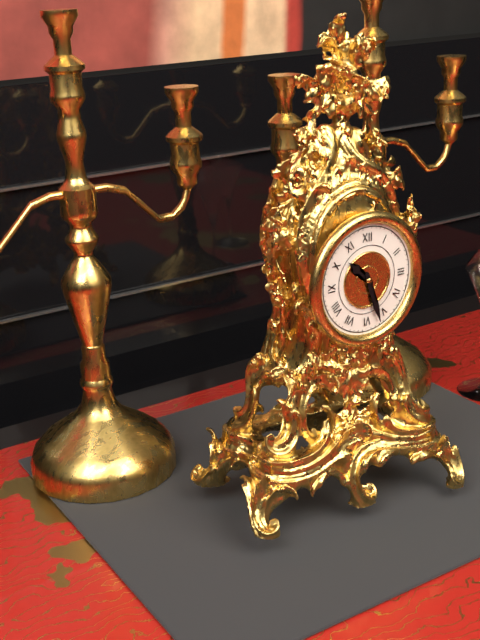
10.27
